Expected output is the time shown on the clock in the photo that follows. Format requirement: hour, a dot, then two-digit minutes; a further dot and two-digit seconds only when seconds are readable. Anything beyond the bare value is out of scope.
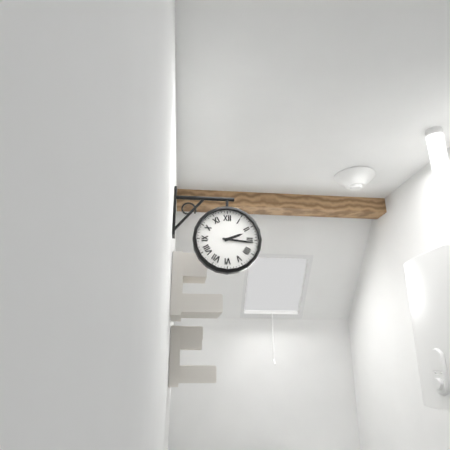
2.16
